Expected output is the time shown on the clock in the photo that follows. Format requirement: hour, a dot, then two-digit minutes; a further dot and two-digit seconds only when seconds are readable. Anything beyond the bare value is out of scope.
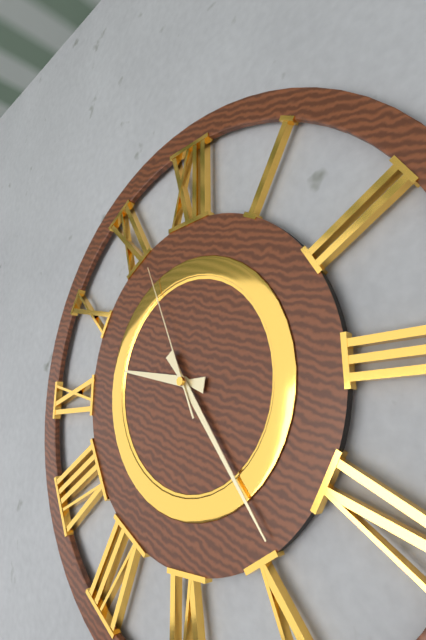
9.24.56
